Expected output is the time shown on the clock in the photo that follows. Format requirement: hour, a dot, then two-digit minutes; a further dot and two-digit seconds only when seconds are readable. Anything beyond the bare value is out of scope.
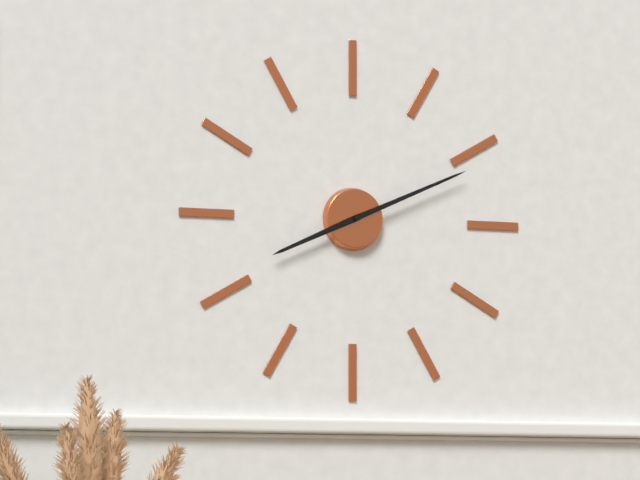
8.11
